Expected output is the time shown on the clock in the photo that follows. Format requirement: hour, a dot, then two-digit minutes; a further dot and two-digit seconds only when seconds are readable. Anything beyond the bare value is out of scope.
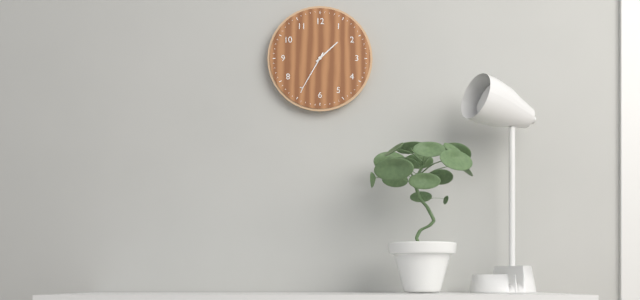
1.35
